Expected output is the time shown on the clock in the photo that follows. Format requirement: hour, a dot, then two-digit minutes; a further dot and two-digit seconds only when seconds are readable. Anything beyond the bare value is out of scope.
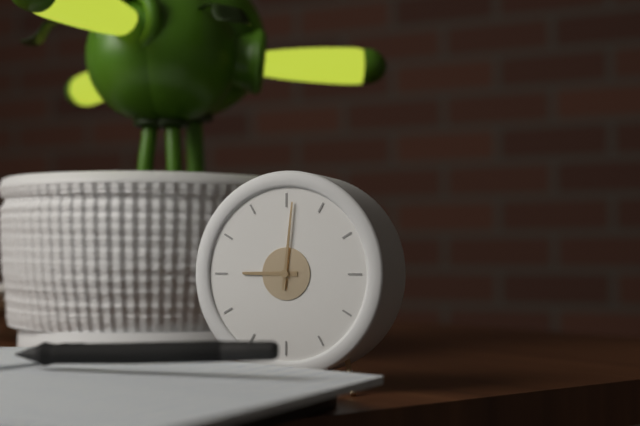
9.01
